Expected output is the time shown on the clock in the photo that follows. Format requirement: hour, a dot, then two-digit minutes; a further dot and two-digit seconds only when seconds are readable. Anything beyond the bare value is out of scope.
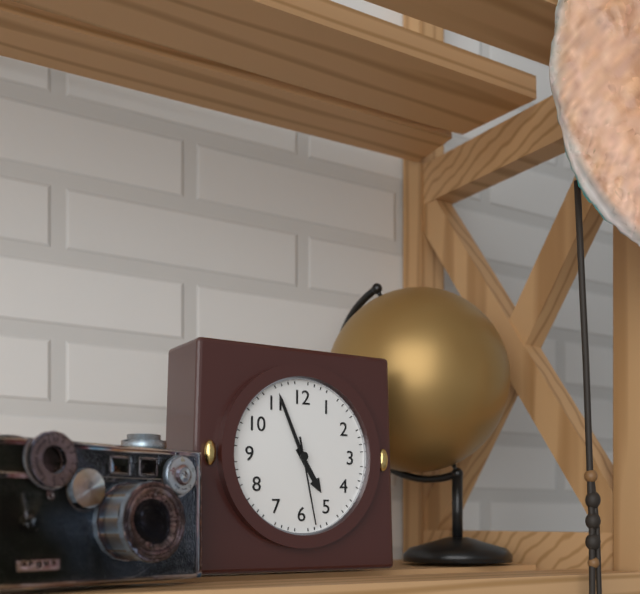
4.56.28
